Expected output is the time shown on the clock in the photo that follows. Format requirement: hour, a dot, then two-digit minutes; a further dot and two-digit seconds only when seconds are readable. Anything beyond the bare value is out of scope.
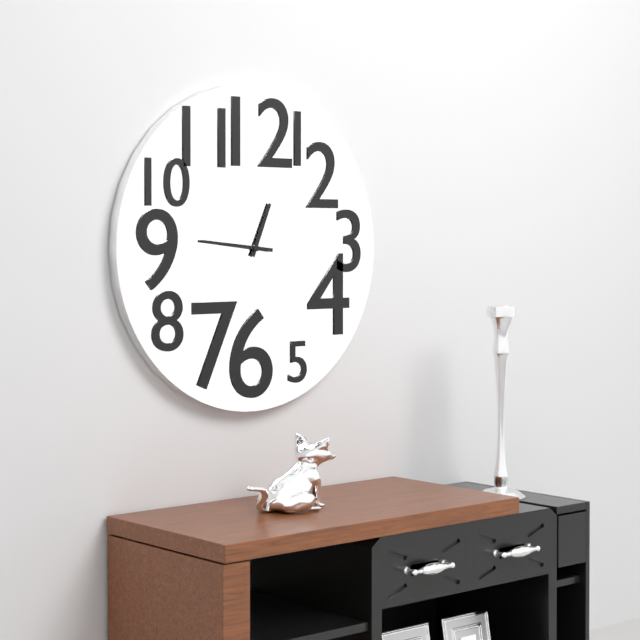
12.46
